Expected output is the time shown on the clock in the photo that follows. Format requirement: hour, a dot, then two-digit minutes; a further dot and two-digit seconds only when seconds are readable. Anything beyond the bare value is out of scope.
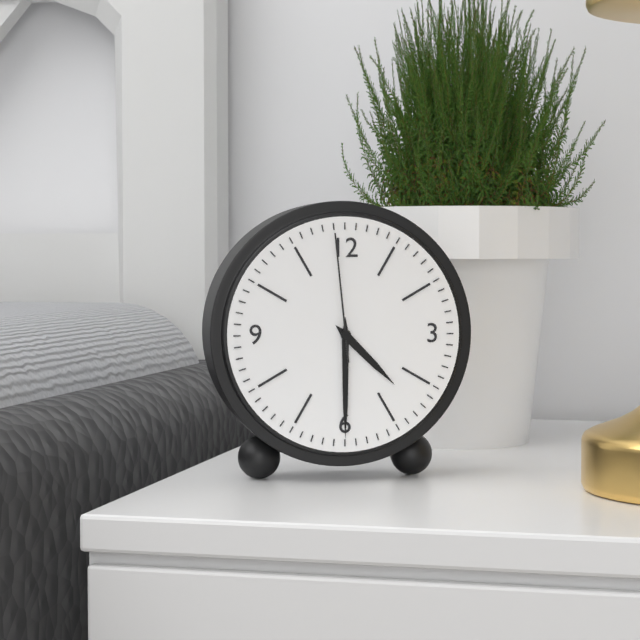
4.30.59
